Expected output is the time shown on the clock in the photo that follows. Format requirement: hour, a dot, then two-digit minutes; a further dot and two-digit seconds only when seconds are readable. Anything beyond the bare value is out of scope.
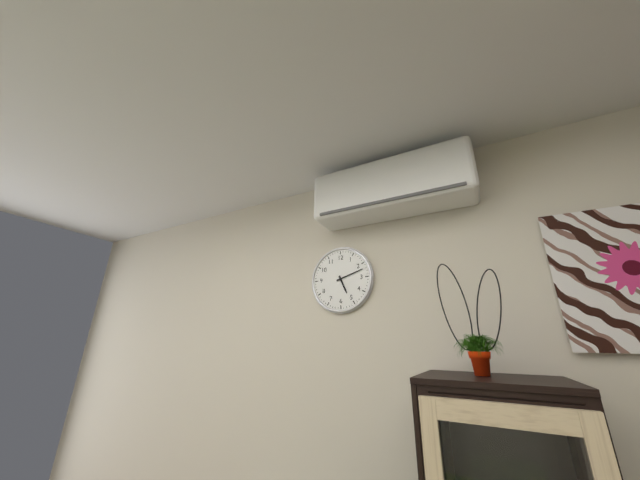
5.12
